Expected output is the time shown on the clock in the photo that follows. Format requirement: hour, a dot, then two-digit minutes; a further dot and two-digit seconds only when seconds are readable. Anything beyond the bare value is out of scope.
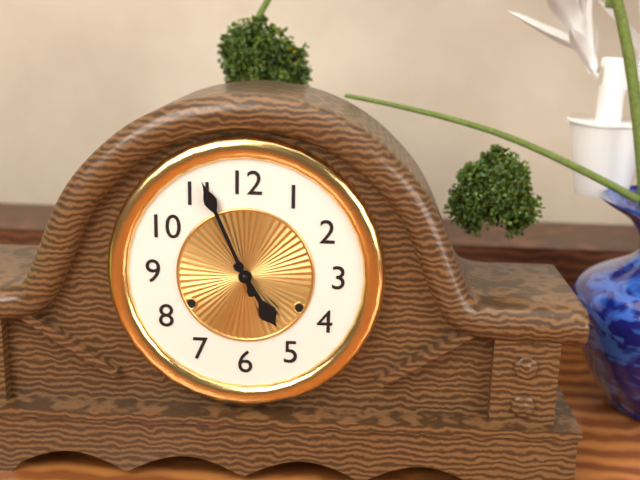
4.56
